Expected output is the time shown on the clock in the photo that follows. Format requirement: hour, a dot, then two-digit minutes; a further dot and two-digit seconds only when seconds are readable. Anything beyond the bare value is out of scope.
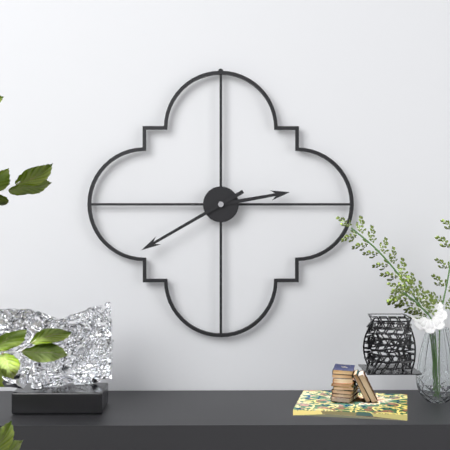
2.40
